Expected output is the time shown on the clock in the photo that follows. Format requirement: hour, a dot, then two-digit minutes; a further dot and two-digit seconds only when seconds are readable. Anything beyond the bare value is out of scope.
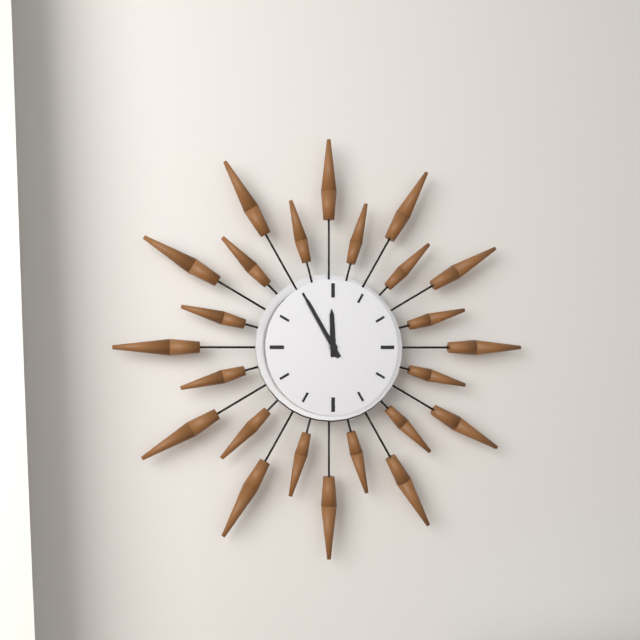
11.55
